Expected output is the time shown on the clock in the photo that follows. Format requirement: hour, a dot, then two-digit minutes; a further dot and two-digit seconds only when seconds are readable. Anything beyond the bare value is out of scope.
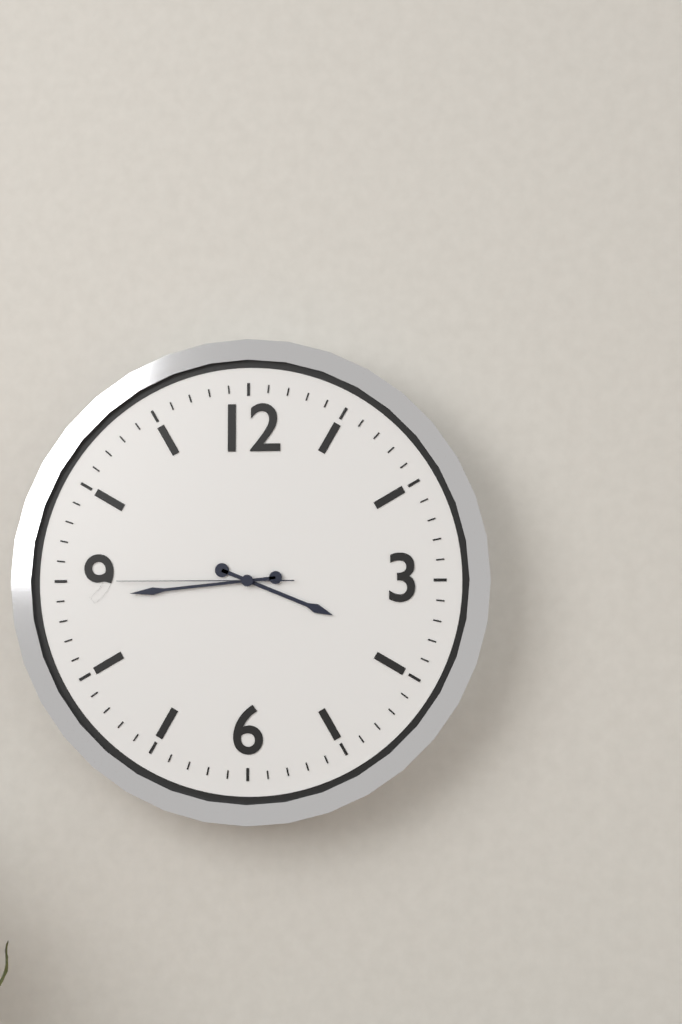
3.44.45
